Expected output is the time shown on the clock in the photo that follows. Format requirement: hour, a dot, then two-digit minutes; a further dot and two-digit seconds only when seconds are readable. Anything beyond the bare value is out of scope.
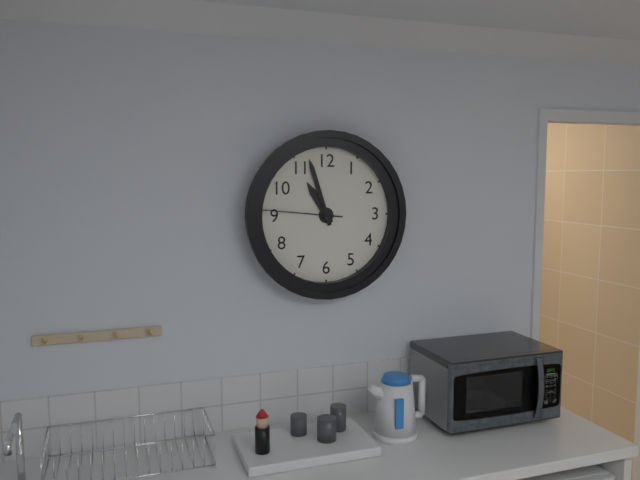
10.57.46
